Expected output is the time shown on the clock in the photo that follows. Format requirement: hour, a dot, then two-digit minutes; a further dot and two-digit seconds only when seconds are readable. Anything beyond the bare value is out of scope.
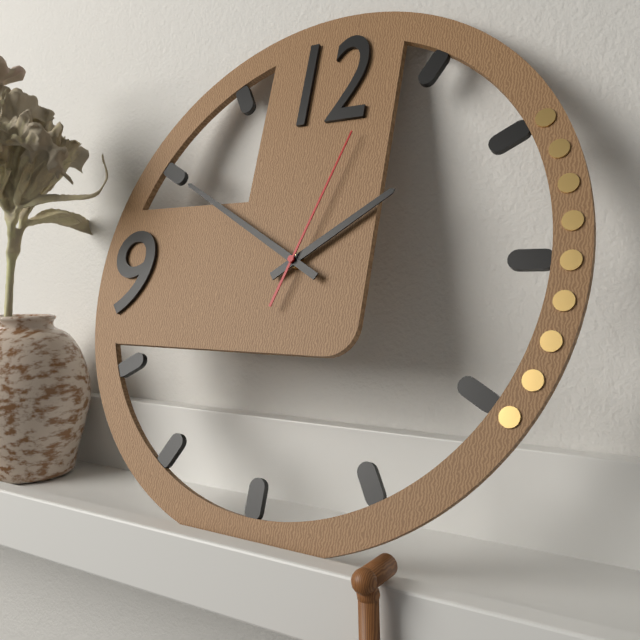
1.50.03
